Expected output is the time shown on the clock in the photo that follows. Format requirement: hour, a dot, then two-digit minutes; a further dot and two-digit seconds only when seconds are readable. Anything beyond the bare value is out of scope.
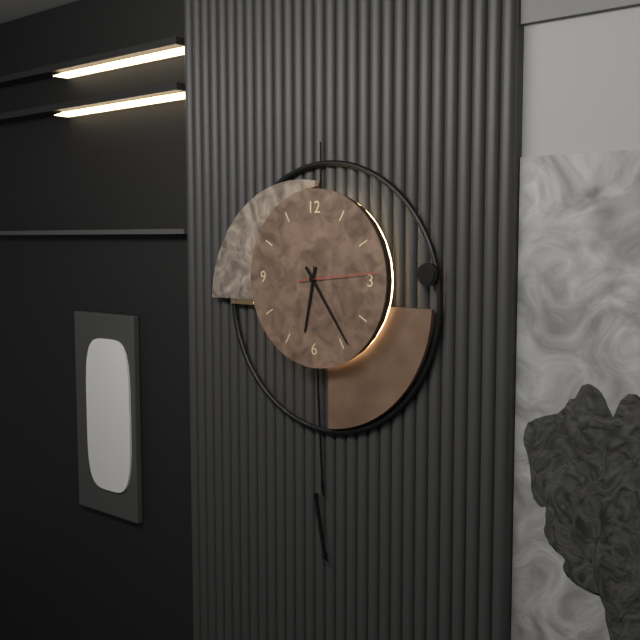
6.24
